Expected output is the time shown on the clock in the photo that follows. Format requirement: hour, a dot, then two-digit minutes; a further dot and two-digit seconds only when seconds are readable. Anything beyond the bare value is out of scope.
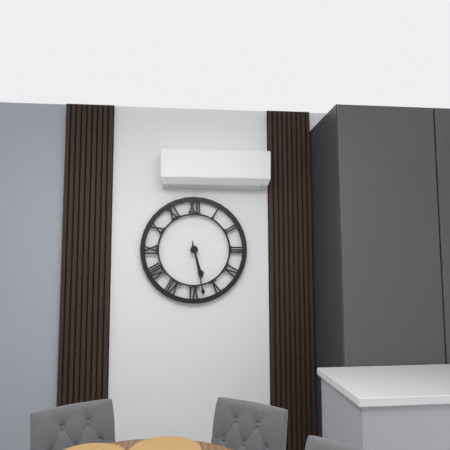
5.28
